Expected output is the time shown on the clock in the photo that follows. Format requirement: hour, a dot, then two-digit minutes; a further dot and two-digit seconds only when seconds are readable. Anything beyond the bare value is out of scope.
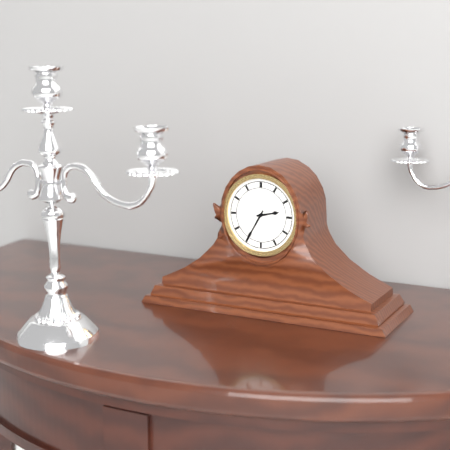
2.35
